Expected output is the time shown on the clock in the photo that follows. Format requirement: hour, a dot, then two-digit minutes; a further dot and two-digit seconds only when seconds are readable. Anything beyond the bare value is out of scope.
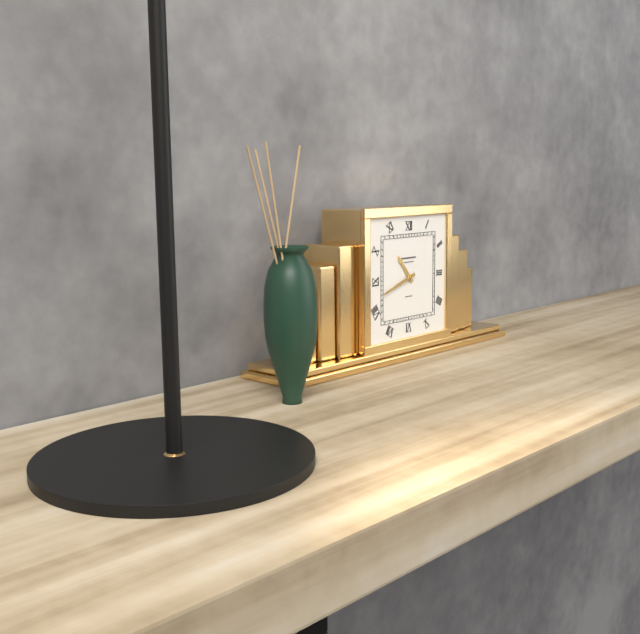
10.42
